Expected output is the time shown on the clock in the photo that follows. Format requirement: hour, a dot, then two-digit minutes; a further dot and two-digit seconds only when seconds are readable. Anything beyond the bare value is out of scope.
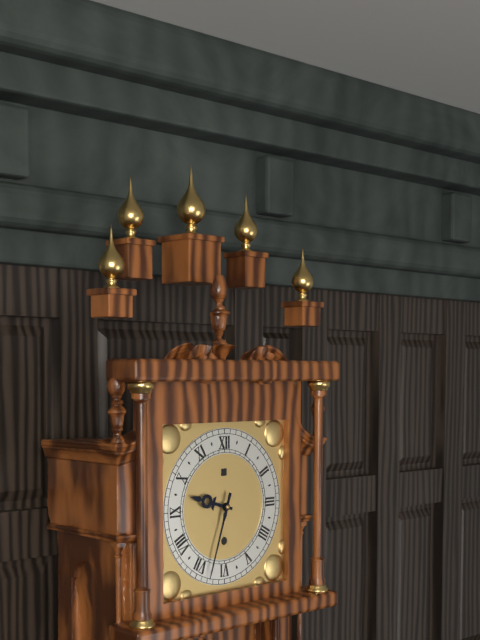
9.33
